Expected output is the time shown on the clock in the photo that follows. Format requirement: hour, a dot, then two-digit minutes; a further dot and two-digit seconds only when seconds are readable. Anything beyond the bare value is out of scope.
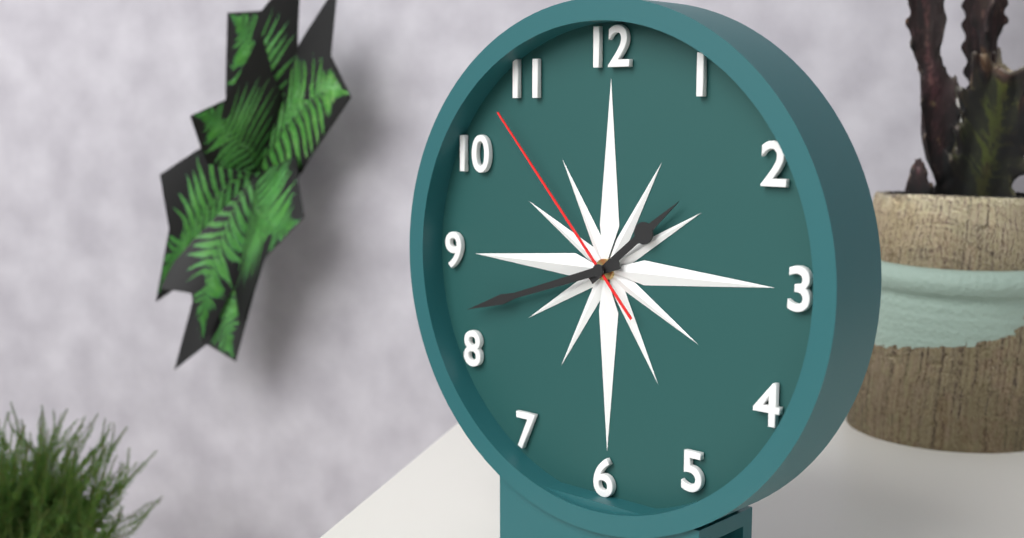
1.42.53
